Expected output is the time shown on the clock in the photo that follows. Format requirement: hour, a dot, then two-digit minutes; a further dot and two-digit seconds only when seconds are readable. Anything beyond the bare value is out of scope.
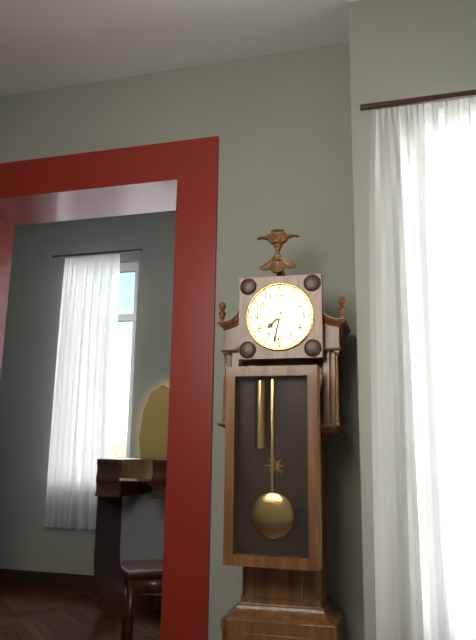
7.32
